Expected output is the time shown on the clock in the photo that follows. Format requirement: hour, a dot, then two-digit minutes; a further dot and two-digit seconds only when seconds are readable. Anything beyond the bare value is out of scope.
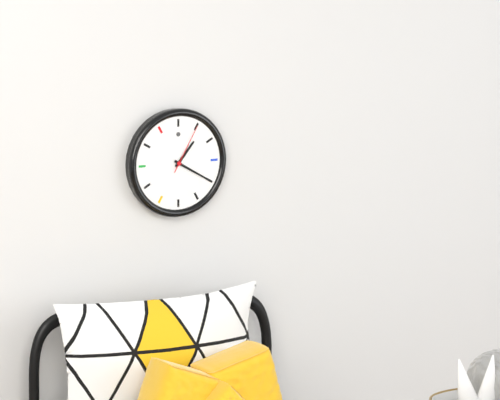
1.20.05
